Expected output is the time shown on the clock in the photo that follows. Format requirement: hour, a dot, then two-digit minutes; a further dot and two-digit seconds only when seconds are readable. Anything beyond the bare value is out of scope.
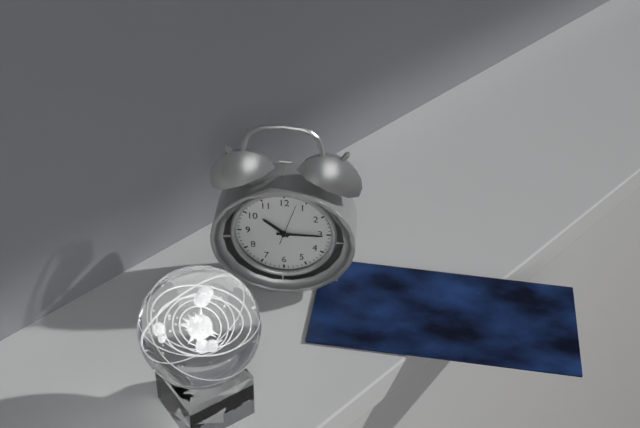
10.15
